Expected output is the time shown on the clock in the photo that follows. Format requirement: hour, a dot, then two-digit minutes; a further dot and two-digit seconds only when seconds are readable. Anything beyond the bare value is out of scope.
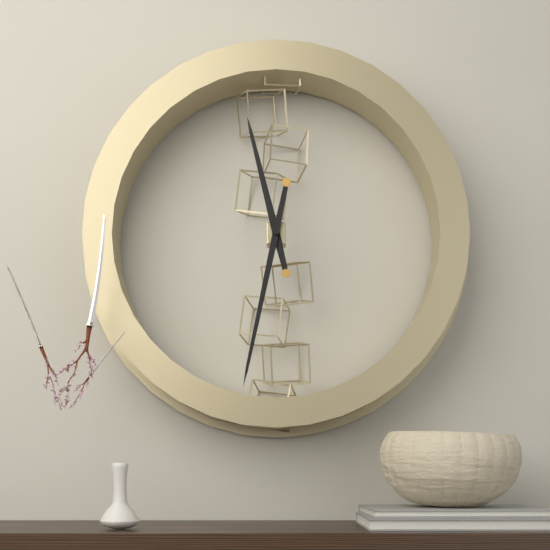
11.32
